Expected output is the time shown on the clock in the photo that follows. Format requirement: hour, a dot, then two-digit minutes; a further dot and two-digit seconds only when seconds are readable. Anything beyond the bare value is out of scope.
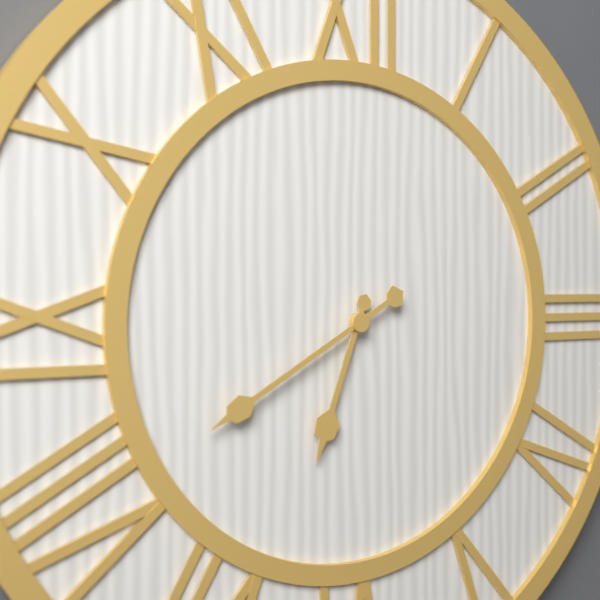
6.40
